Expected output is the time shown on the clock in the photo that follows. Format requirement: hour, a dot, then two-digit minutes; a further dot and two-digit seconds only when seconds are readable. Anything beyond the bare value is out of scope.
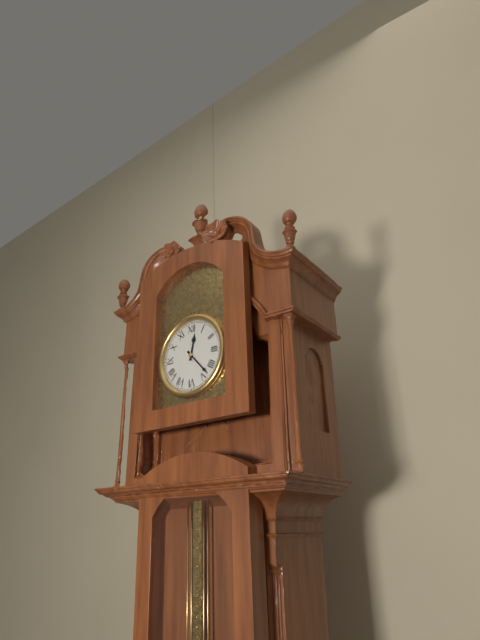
12.23
